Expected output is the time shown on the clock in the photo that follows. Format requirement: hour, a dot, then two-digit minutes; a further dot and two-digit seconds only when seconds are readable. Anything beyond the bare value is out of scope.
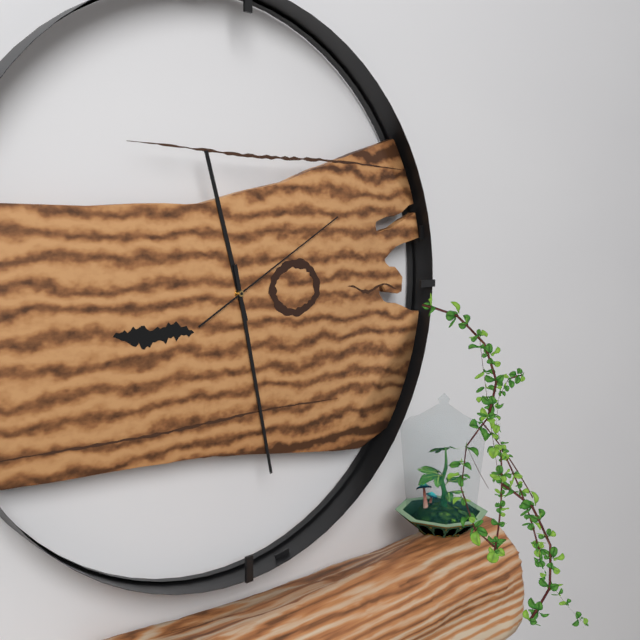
11.28.10
